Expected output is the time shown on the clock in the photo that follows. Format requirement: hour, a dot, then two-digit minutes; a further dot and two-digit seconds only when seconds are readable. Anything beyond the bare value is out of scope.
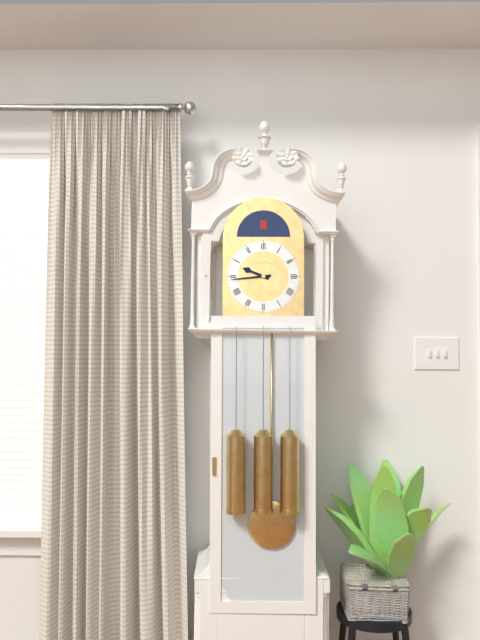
9.44
